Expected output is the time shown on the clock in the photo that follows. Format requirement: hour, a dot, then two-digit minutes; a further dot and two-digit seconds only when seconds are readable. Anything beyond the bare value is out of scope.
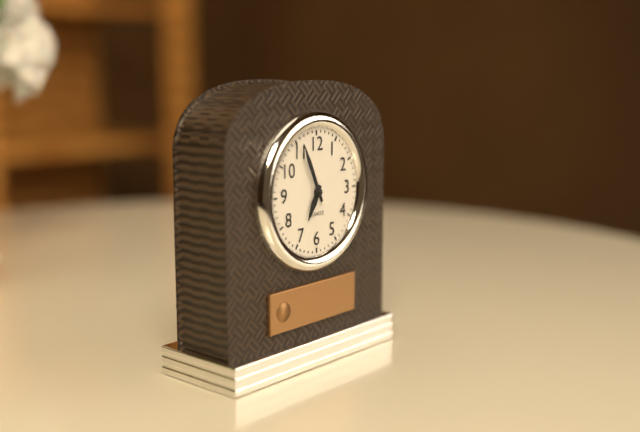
6.56
